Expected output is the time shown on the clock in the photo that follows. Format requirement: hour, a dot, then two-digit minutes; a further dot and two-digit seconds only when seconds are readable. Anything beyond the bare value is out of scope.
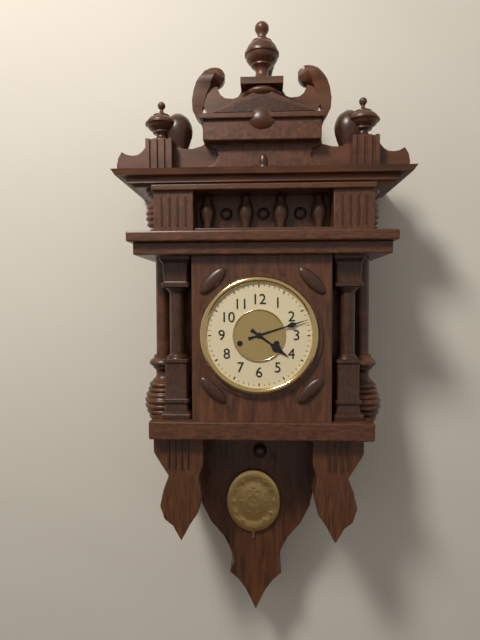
4.12
